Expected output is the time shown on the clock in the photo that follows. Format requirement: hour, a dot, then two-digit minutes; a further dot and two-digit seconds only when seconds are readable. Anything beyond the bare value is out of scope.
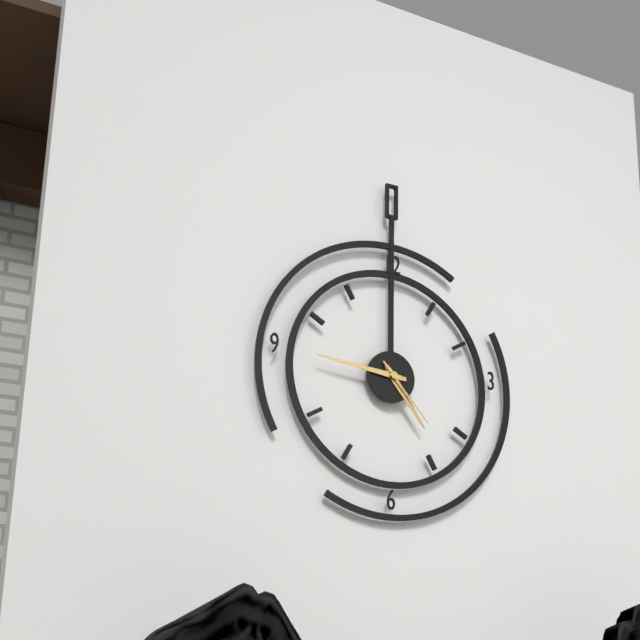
4.46.23
